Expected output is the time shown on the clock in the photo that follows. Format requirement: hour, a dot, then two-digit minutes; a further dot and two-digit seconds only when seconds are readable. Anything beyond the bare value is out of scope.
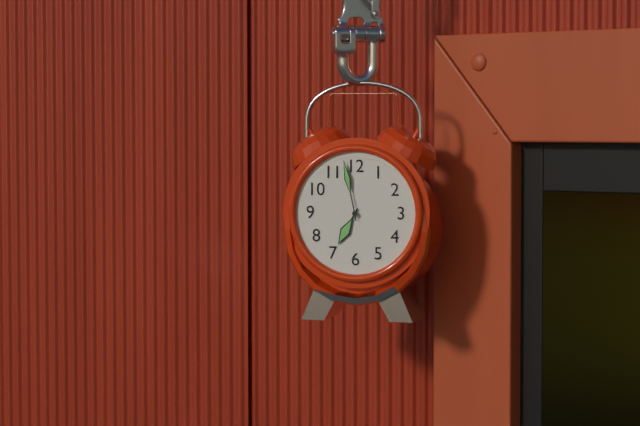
6.58
